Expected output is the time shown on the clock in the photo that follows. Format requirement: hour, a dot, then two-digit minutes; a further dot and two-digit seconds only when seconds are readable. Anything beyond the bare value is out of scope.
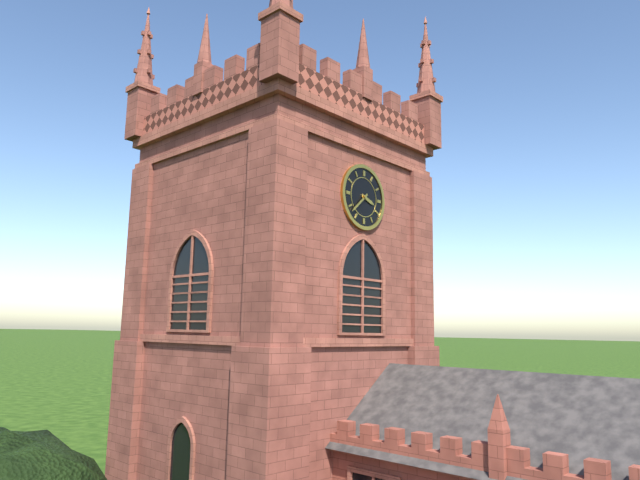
3.38
